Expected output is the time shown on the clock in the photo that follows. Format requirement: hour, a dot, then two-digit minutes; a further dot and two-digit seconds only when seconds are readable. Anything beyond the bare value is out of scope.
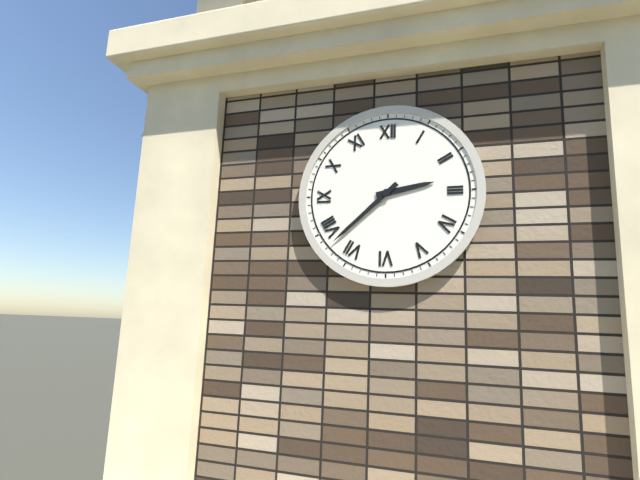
2.38
